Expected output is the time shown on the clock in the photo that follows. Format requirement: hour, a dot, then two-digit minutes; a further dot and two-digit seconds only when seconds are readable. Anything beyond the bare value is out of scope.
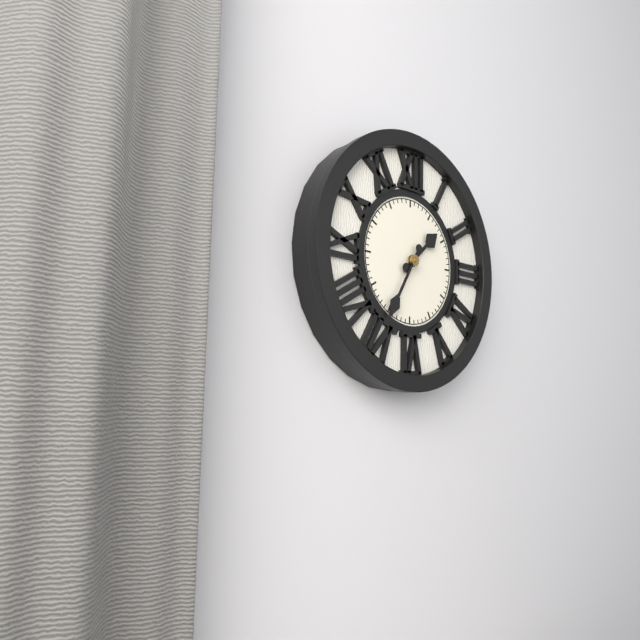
1.35
